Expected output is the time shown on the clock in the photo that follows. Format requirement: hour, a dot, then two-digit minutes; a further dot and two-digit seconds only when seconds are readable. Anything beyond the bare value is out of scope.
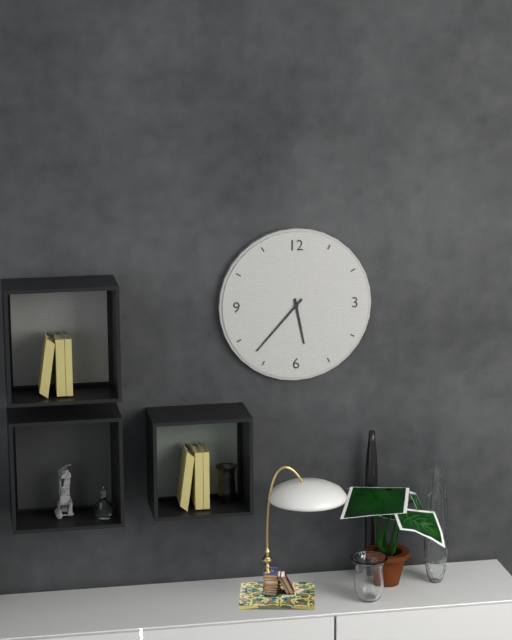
5.37
